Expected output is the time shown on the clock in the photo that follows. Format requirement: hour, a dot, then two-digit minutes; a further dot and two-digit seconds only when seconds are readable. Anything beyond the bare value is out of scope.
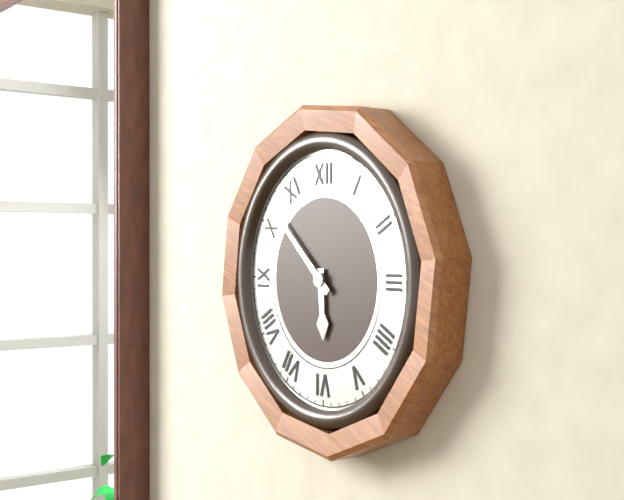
5.52
